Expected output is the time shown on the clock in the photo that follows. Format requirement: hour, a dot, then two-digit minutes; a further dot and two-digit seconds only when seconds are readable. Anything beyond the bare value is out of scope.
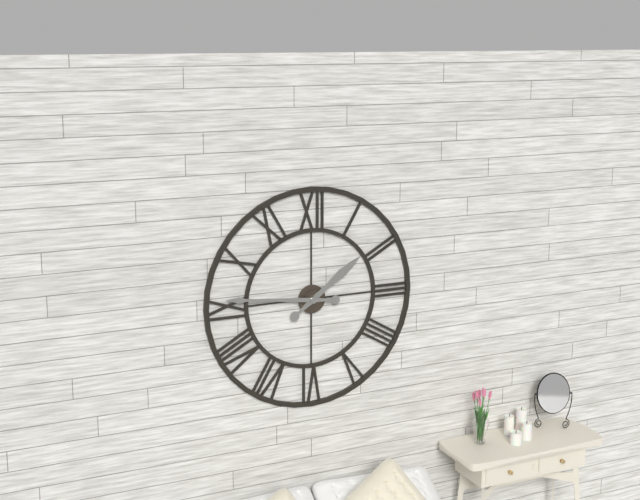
1.46
